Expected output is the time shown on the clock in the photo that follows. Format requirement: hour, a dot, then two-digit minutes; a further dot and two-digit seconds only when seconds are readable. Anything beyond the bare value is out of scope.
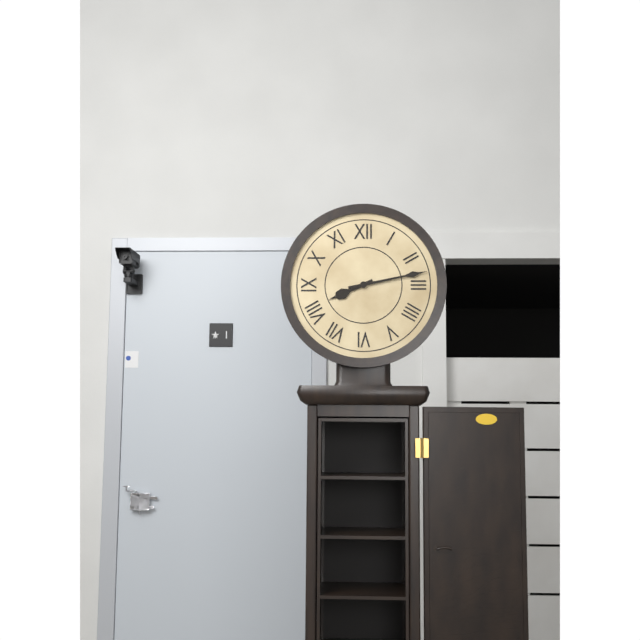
8.13
